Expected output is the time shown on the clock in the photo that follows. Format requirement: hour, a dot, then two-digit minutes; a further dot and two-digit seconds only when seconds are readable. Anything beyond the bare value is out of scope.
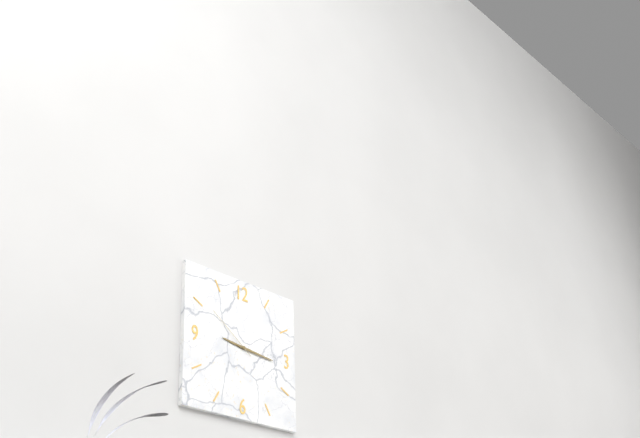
9.16.51
